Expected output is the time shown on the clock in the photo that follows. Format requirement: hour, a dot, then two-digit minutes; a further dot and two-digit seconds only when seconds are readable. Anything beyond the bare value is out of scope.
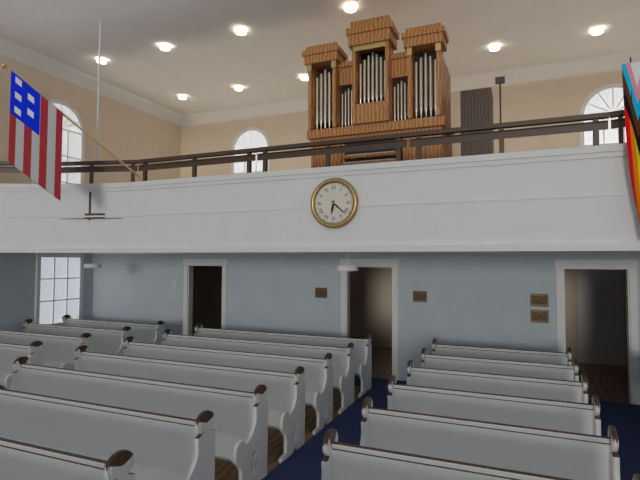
6.22
